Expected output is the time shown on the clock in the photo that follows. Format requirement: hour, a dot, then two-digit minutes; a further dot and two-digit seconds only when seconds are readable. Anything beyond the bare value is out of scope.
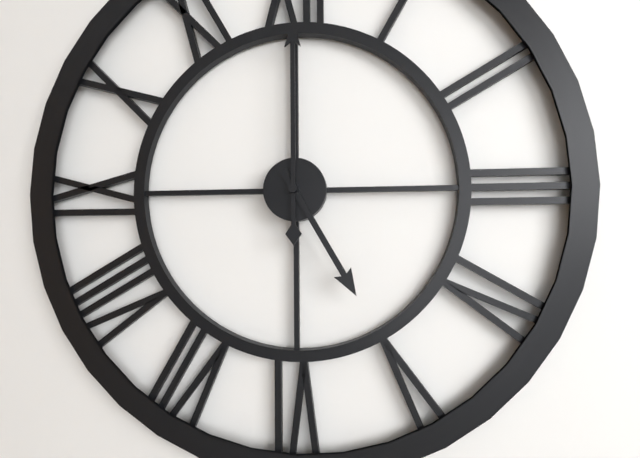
5.00
